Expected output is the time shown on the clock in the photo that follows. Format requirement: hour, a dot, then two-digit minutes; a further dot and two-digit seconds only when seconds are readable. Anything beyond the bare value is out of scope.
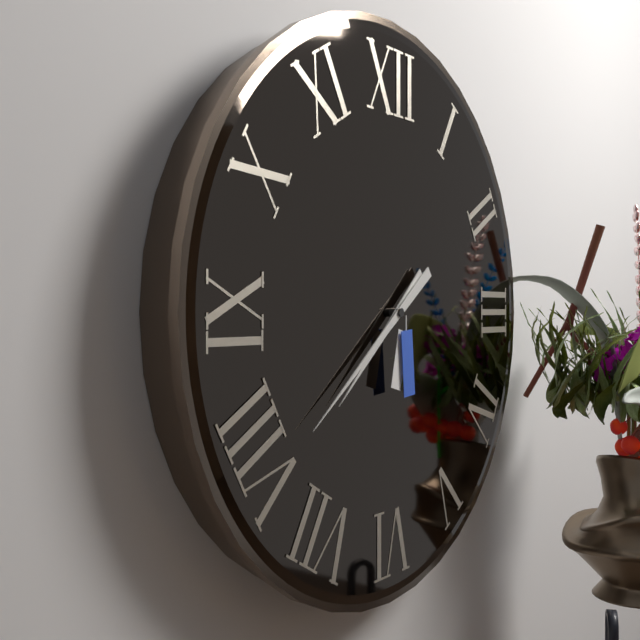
7.39
